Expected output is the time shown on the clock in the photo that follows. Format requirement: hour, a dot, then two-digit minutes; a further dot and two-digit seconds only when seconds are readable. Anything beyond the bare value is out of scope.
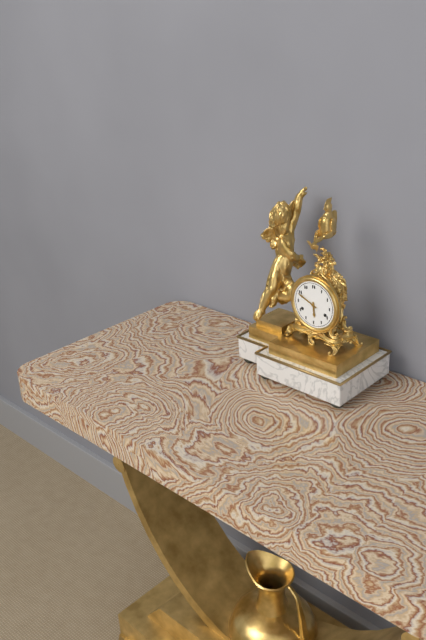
5.49
